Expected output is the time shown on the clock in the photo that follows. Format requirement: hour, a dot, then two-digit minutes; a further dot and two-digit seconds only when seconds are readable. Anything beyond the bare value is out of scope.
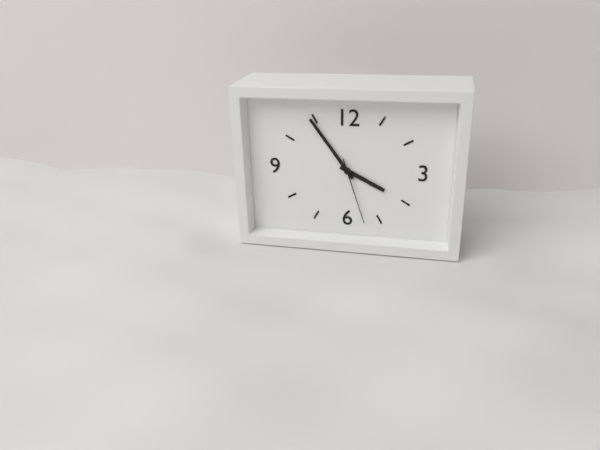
3.54.27
